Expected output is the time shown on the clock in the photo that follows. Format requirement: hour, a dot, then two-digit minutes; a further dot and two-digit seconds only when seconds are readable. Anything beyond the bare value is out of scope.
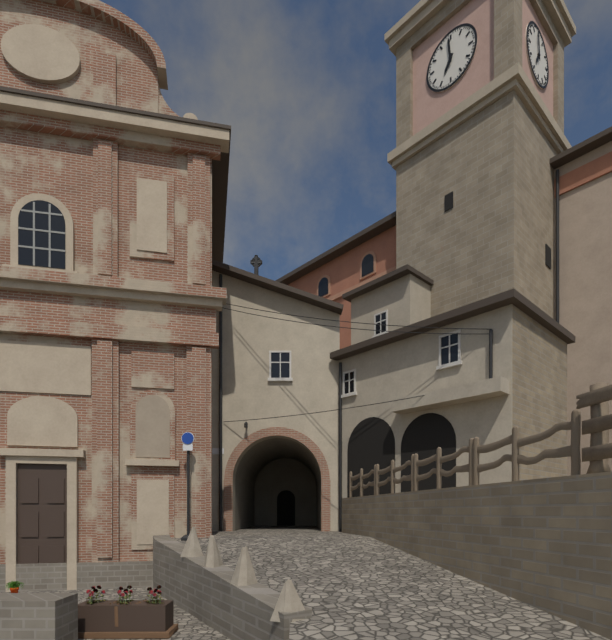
6.59
